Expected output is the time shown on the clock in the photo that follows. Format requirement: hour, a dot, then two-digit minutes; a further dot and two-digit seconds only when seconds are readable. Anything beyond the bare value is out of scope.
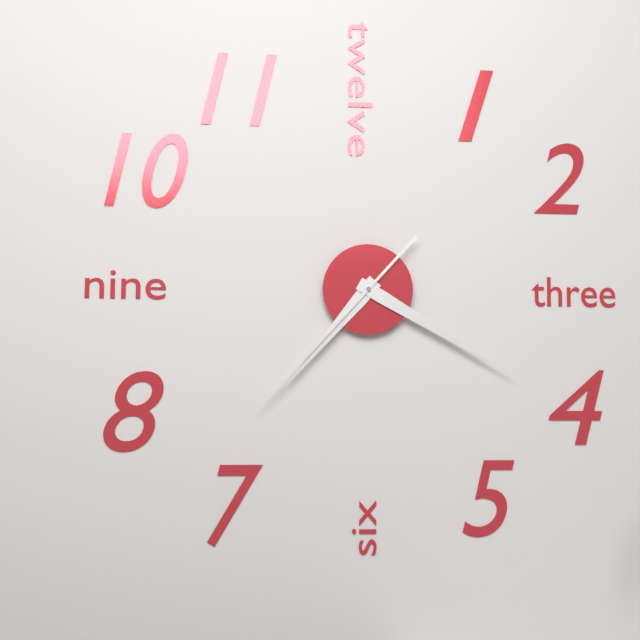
7.20.37
